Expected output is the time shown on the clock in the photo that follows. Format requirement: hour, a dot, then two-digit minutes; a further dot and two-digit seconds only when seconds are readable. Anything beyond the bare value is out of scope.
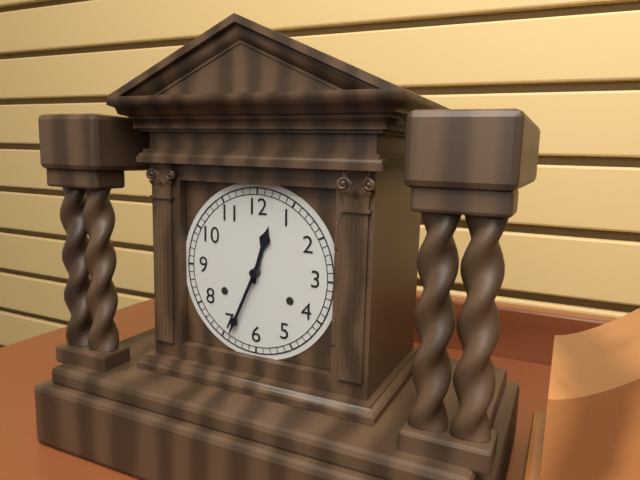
12.34
